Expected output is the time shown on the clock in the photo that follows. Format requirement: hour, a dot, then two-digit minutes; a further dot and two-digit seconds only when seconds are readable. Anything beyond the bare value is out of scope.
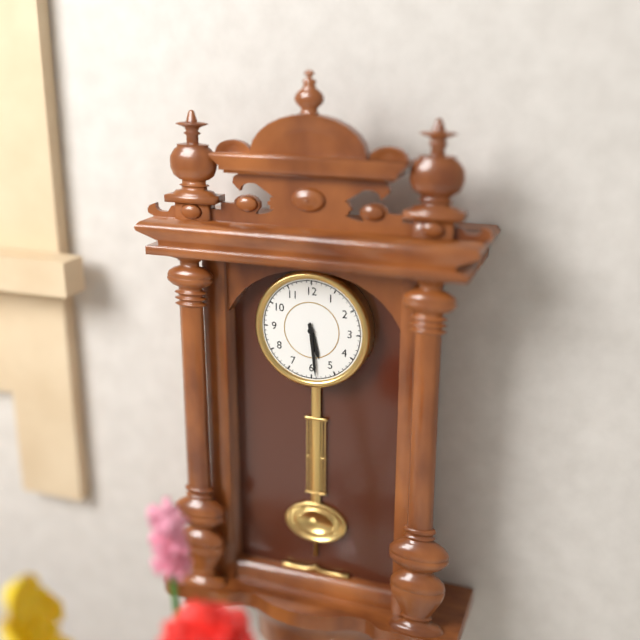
5.29
